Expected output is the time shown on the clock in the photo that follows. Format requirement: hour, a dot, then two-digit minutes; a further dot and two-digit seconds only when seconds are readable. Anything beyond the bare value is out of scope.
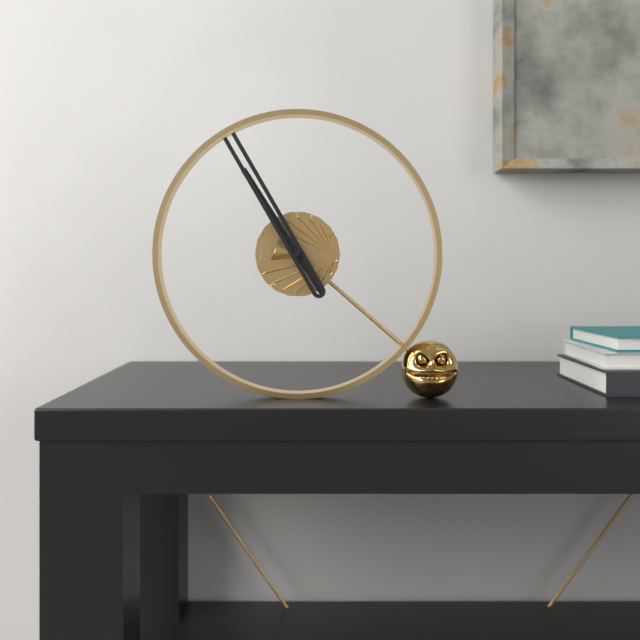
10.55
